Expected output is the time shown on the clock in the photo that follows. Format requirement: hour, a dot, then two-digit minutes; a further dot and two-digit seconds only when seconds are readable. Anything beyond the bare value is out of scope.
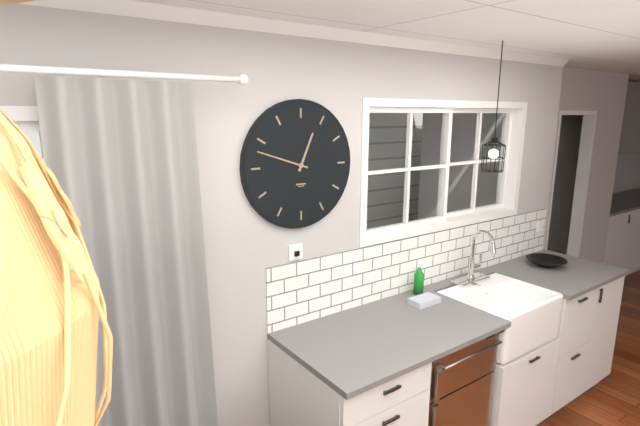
12.48
